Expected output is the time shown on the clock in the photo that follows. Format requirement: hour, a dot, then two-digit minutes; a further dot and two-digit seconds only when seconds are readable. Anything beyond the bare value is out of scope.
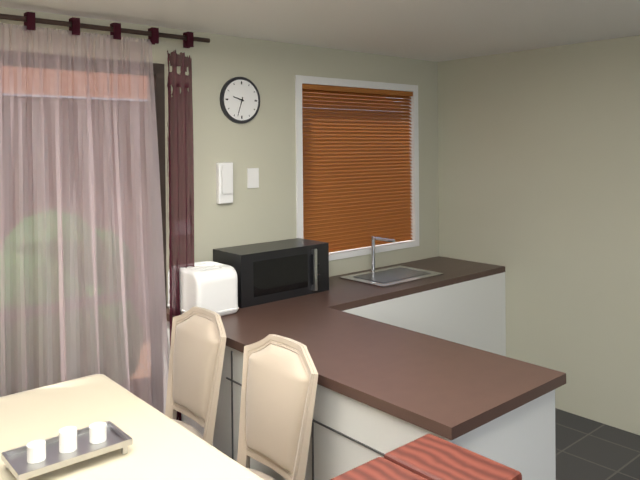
9.33
